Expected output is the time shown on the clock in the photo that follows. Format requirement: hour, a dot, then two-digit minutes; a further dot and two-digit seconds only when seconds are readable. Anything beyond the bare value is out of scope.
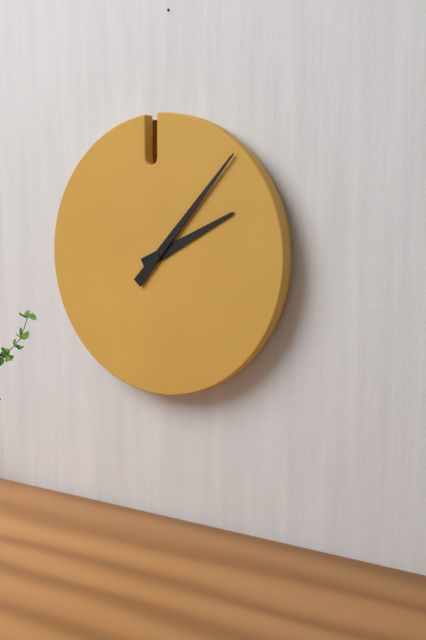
2.07
